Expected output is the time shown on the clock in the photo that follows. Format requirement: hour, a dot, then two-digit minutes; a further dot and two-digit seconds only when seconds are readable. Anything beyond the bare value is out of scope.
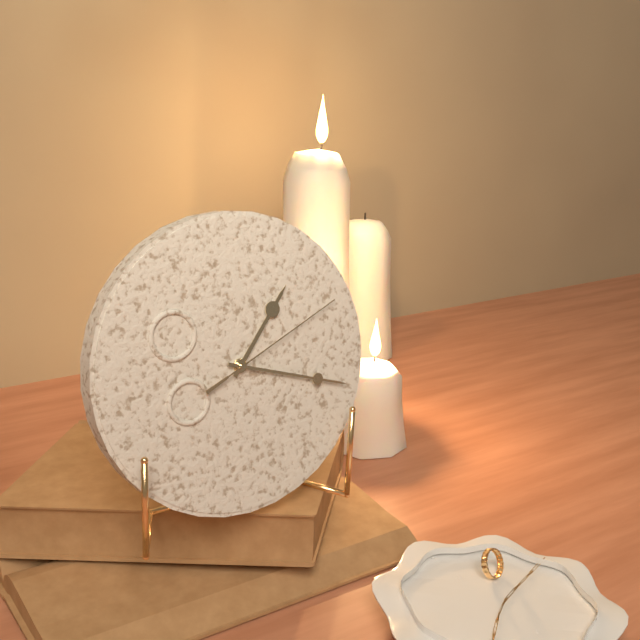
1.18.11
